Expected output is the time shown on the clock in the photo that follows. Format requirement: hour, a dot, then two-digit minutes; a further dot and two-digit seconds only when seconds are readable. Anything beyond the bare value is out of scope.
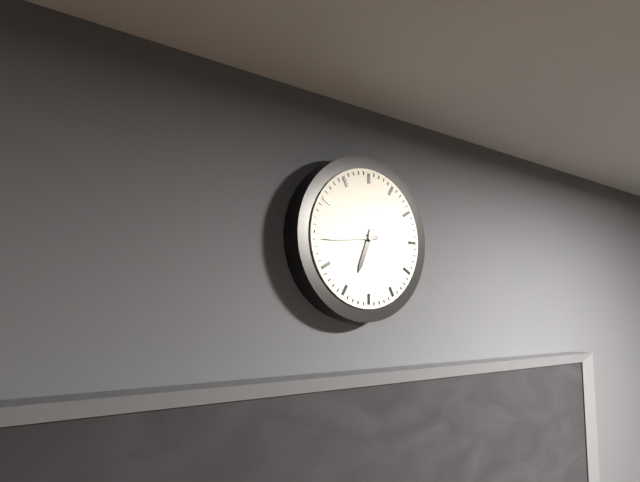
6.44
